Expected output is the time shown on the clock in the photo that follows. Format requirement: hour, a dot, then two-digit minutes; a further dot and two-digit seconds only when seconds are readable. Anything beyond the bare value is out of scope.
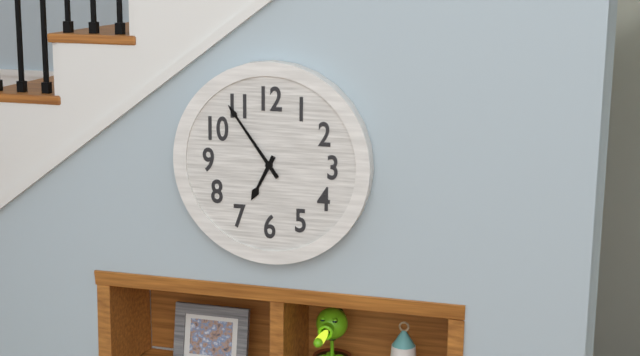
6.54
